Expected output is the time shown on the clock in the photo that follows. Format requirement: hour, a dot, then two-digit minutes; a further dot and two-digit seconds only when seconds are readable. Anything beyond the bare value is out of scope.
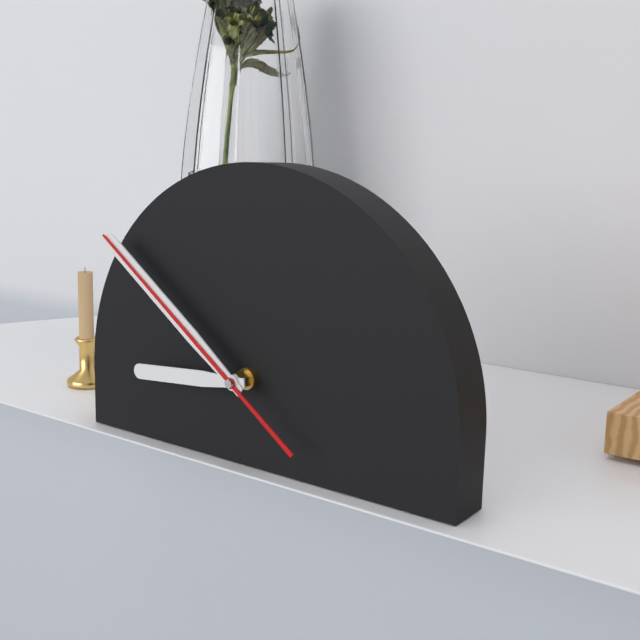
8.51.51
